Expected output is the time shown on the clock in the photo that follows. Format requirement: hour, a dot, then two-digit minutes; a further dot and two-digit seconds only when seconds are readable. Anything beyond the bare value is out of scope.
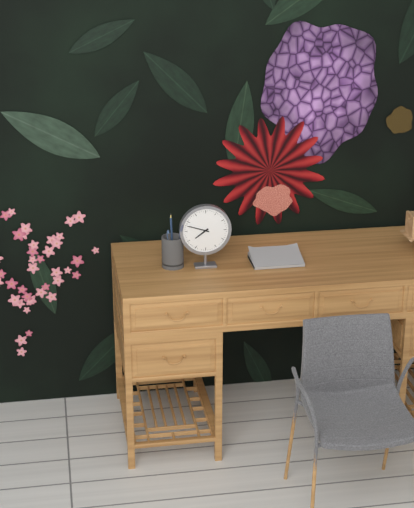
7.48
